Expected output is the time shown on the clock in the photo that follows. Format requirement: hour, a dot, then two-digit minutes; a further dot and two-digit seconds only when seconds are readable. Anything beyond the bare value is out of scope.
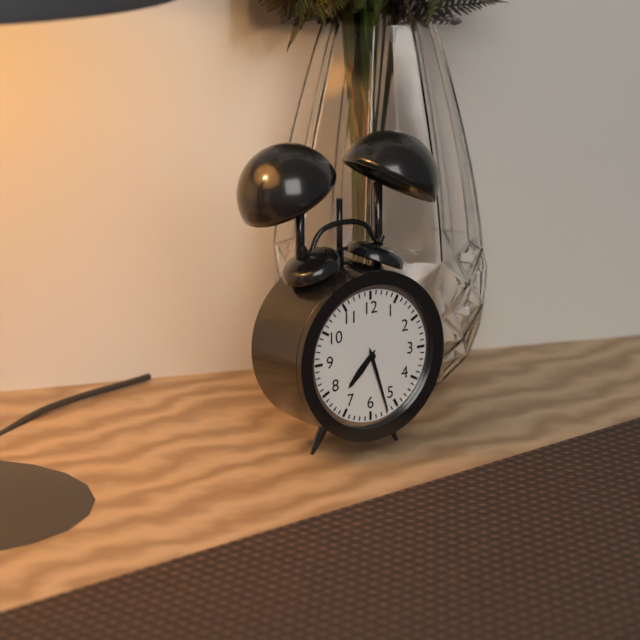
7.27
